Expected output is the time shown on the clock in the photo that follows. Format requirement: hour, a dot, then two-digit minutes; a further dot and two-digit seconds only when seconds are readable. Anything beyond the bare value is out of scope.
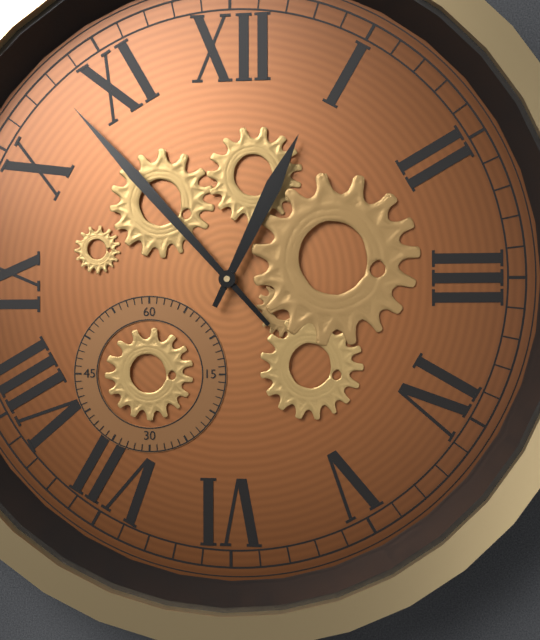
12.53
